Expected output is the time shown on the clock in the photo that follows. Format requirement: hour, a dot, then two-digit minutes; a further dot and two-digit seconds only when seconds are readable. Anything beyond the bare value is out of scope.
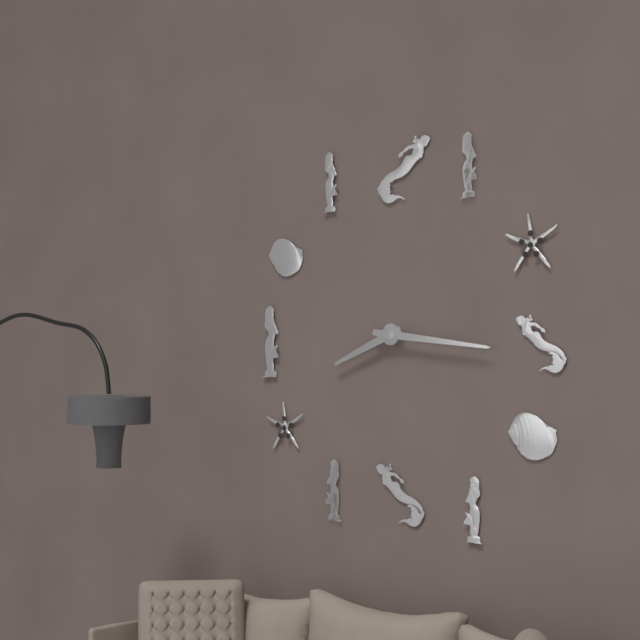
8.16
